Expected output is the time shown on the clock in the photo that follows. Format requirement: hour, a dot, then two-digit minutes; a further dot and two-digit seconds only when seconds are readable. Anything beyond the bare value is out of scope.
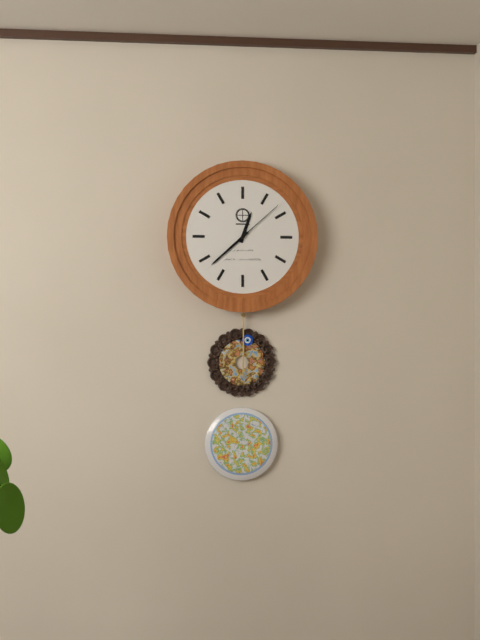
12.38.08
